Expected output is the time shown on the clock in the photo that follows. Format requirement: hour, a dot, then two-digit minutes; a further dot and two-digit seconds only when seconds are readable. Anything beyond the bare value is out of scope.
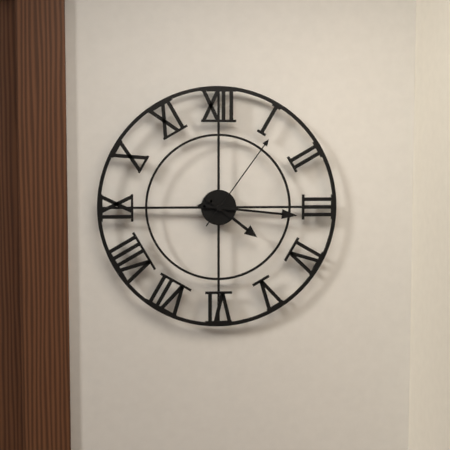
4.16.06
